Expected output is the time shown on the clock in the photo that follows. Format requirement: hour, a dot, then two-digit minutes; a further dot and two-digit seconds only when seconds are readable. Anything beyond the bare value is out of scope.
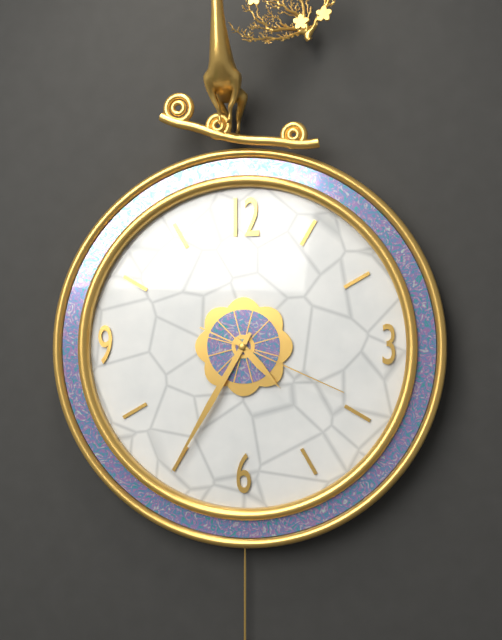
4.35.19
